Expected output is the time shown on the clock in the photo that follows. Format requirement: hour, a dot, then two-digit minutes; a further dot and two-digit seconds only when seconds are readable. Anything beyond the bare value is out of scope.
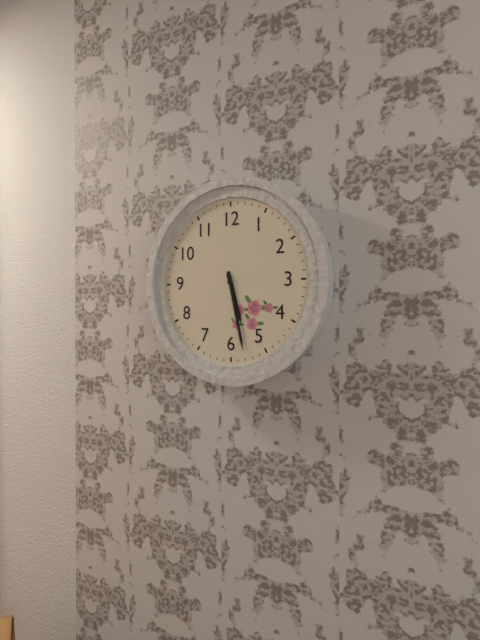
5.28
